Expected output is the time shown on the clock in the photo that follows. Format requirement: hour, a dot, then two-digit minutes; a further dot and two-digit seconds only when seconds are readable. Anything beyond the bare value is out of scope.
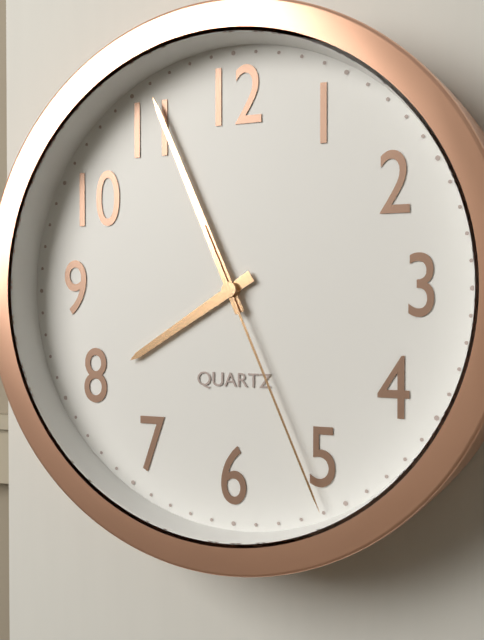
7.56.26
